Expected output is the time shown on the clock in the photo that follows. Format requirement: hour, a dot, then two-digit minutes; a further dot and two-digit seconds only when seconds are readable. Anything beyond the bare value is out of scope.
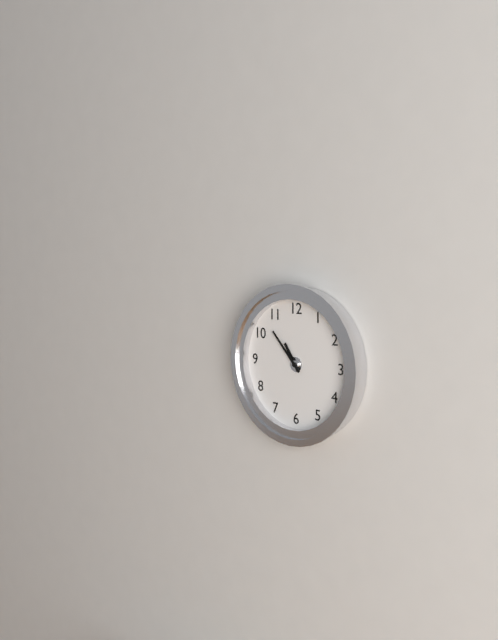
10.53
